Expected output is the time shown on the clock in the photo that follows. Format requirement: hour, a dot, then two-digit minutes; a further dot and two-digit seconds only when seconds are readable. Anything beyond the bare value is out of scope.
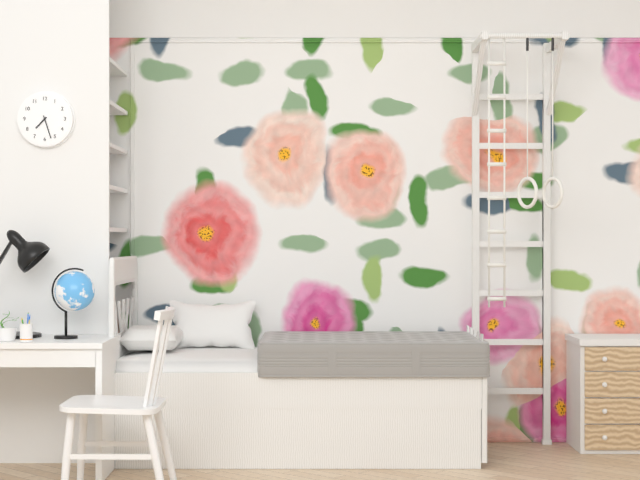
7.27
